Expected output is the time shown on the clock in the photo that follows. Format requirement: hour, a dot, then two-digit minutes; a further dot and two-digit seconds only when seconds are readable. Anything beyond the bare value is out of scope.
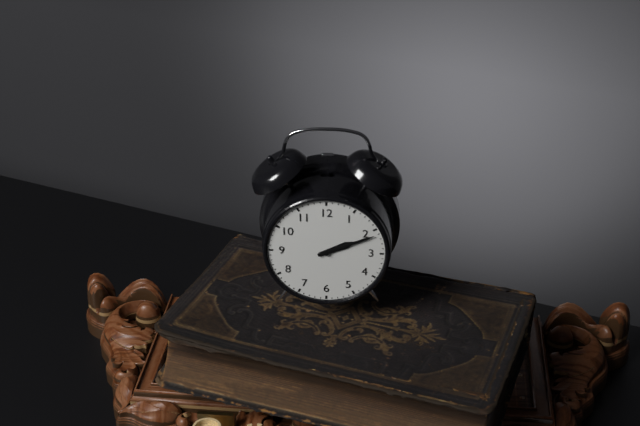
2.11
